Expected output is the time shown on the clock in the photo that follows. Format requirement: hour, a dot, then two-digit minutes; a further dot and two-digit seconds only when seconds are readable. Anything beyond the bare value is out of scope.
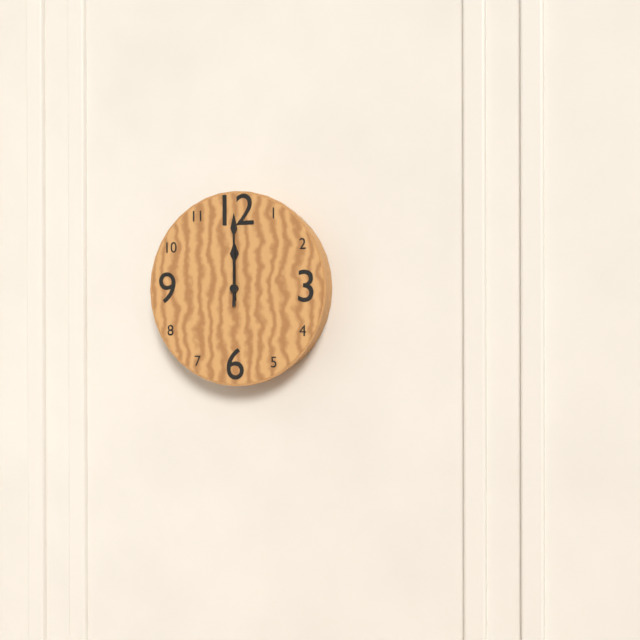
12.00
